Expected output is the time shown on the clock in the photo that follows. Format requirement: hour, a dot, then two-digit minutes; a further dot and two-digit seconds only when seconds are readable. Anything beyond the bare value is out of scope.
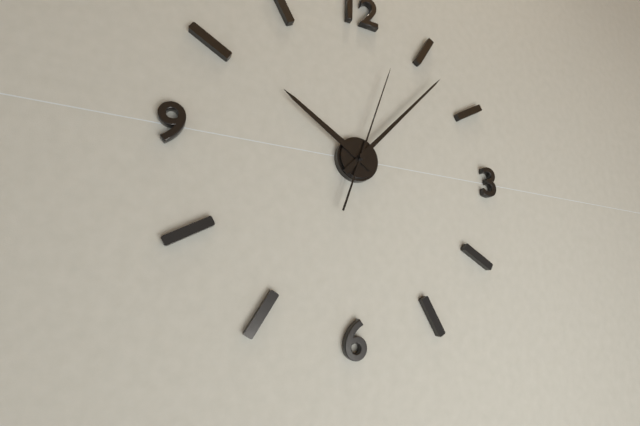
10.07.03
